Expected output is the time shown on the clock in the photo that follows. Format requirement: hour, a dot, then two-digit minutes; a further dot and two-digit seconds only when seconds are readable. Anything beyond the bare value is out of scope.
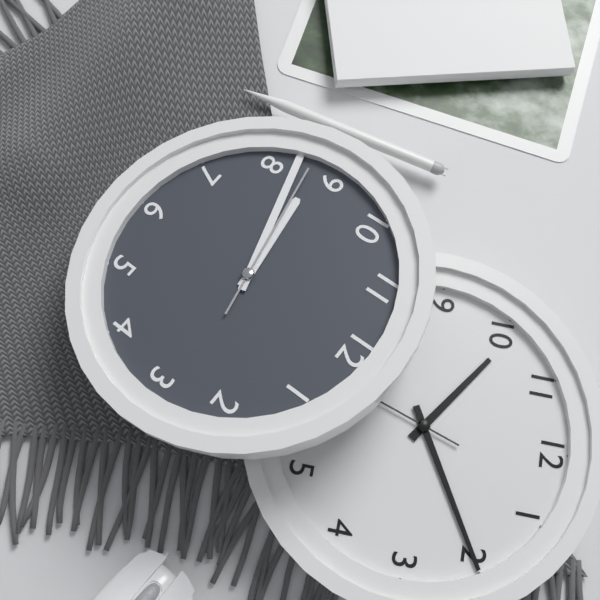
8.42.43
